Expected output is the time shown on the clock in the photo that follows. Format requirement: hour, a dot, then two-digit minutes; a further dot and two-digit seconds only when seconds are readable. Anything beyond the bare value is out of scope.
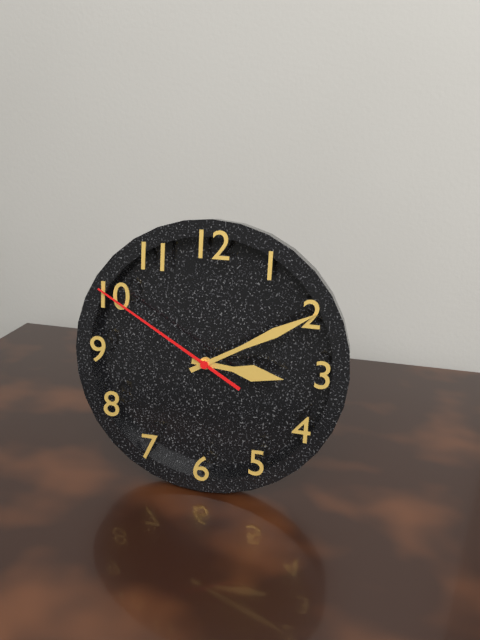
3.10.50
